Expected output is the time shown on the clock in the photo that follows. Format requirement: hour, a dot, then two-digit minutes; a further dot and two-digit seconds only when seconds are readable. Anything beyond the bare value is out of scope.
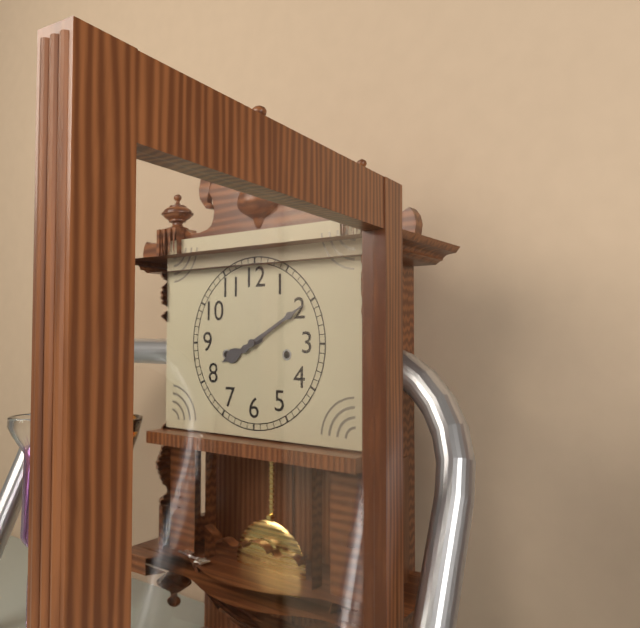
8.10
